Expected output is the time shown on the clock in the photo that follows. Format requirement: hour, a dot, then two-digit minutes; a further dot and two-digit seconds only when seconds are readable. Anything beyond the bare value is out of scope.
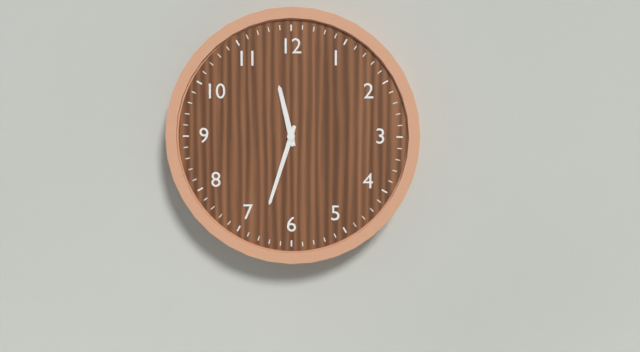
11.33
